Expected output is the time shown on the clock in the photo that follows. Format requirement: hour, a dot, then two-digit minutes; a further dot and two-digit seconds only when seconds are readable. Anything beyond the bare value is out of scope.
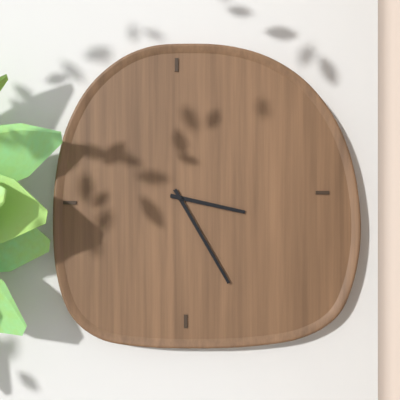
3.25
